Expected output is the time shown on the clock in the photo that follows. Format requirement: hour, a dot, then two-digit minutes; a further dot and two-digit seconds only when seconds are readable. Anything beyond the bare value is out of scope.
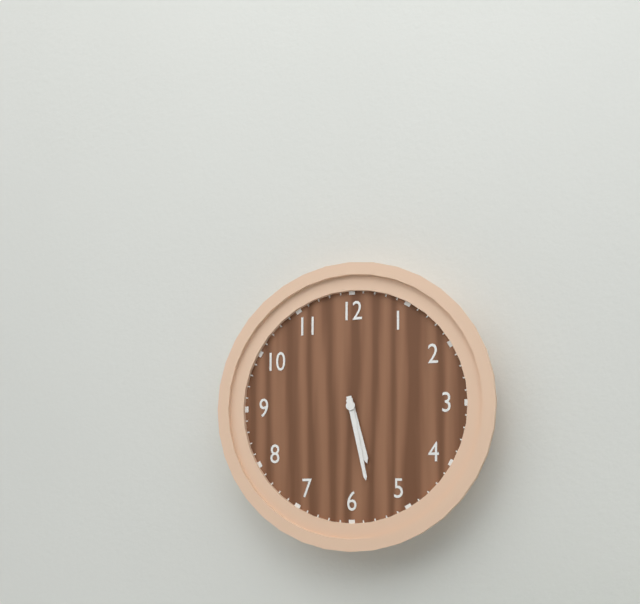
5.28
